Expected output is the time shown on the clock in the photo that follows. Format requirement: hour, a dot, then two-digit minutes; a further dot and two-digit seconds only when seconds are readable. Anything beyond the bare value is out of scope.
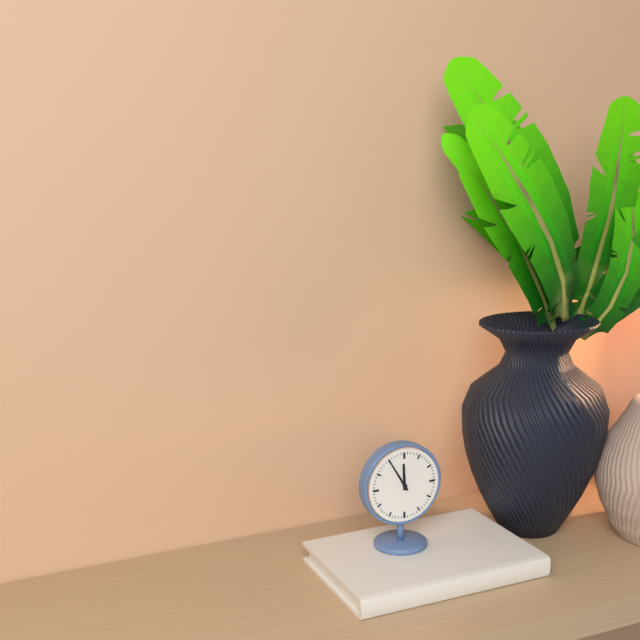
11.55
